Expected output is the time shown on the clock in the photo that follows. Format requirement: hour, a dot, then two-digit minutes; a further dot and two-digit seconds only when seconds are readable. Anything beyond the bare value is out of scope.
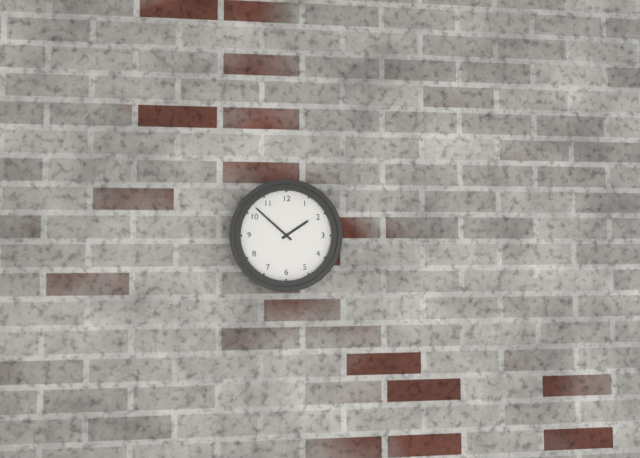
1.52
